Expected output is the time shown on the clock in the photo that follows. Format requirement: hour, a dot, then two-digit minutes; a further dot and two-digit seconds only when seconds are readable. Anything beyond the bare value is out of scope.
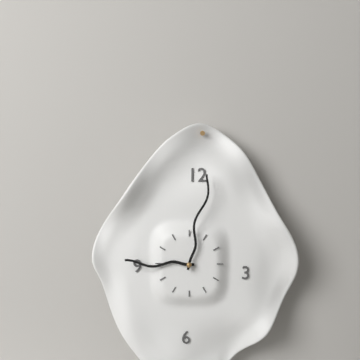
9.02
